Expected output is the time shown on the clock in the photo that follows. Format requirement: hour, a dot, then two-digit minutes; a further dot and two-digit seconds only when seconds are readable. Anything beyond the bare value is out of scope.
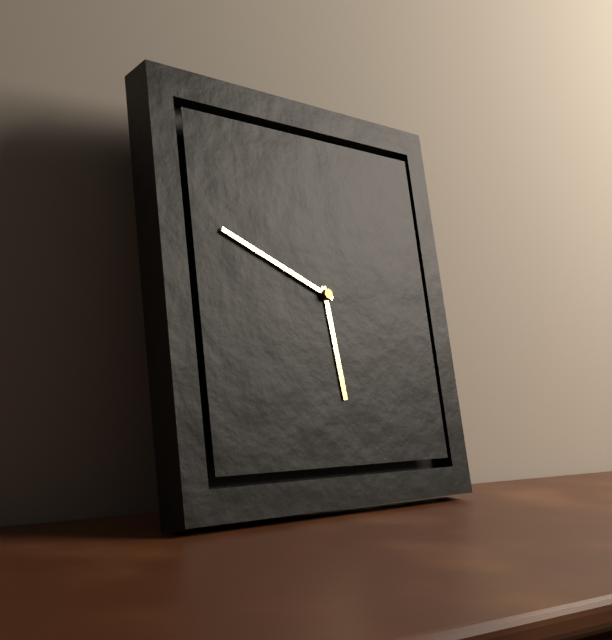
5.49
